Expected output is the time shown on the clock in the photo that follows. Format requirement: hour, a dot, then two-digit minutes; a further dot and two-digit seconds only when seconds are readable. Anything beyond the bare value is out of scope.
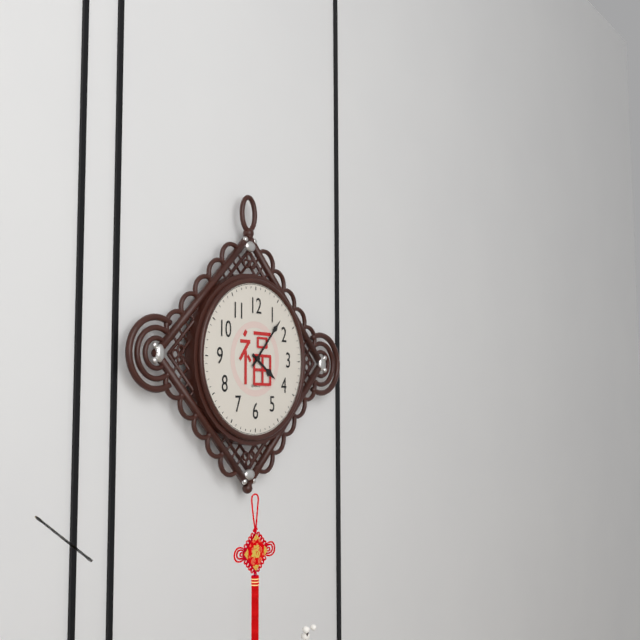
4.07
